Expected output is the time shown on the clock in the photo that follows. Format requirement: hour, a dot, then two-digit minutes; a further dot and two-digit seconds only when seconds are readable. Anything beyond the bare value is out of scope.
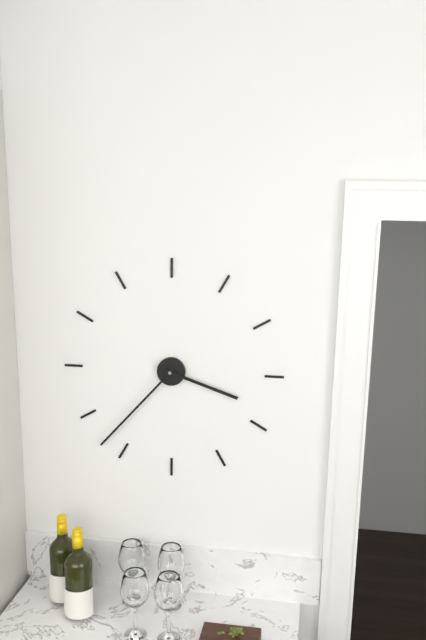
3.37
